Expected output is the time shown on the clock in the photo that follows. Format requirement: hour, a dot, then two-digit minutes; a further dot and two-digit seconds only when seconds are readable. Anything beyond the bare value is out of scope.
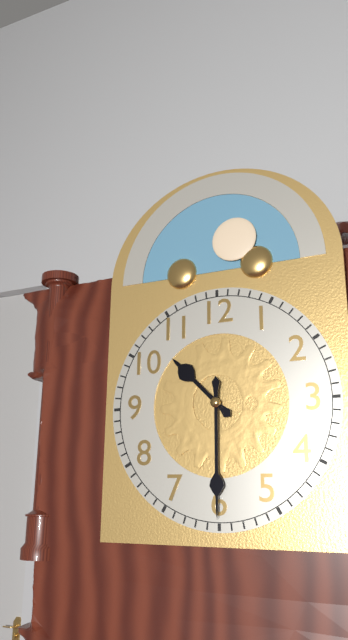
10.30
